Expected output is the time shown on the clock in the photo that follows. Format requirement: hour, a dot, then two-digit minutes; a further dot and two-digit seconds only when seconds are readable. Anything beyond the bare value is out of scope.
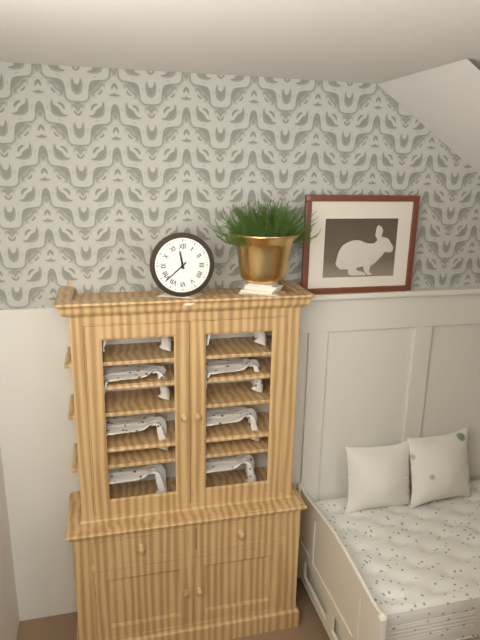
11.38
